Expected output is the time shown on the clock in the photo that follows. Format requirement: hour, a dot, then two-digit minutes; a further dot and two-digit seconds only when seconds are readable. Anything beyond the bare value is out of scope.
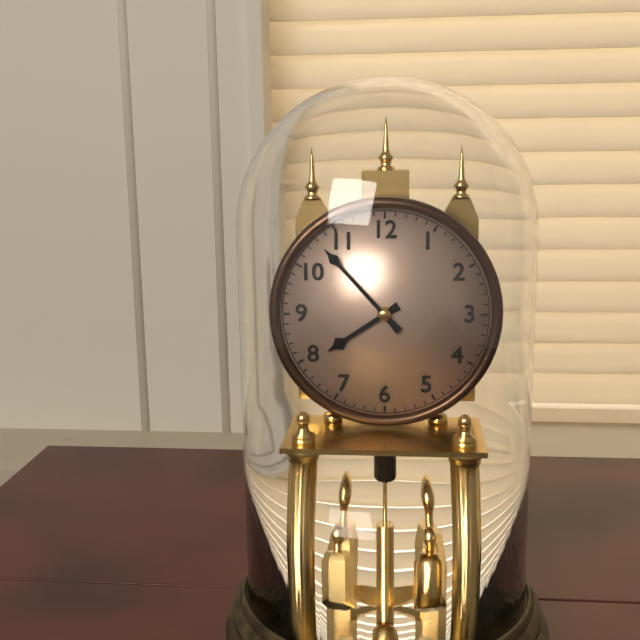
7.53
